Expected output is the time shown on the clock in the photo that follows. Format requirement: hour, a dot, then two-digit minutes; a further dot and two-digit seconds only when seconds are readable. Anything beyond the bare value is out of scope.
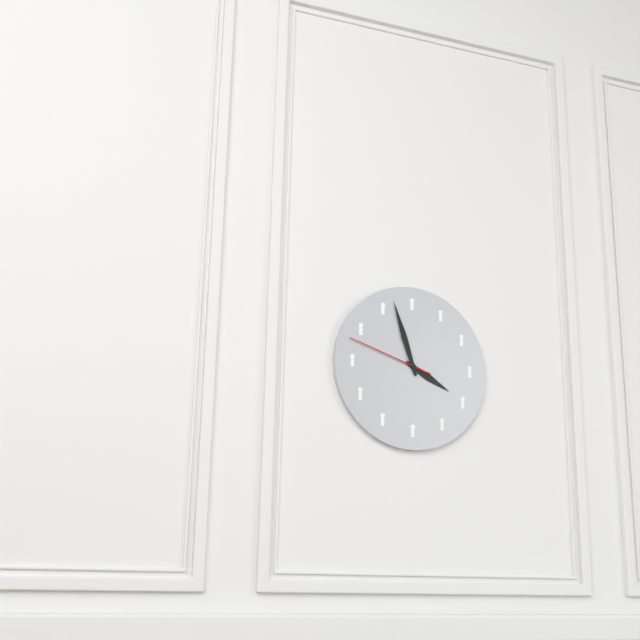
3.57.48
